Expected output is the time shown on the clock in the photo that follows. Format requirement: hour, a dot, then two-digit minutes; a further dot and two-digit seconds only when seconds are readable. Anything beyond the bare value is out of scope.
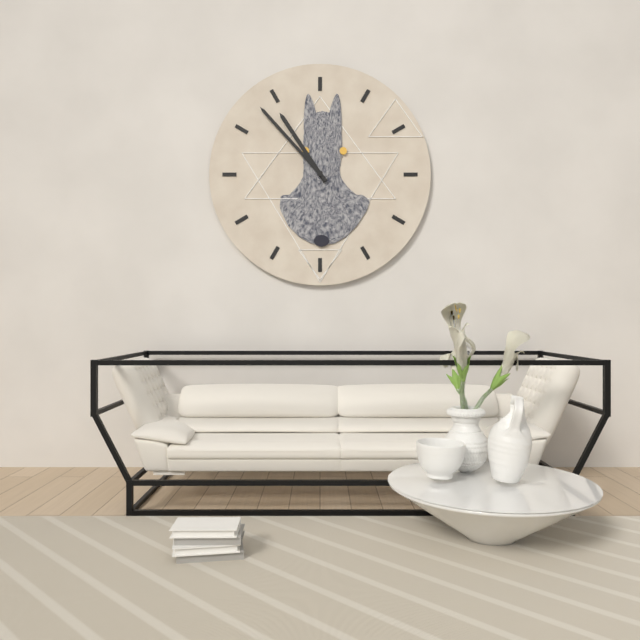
10.53
